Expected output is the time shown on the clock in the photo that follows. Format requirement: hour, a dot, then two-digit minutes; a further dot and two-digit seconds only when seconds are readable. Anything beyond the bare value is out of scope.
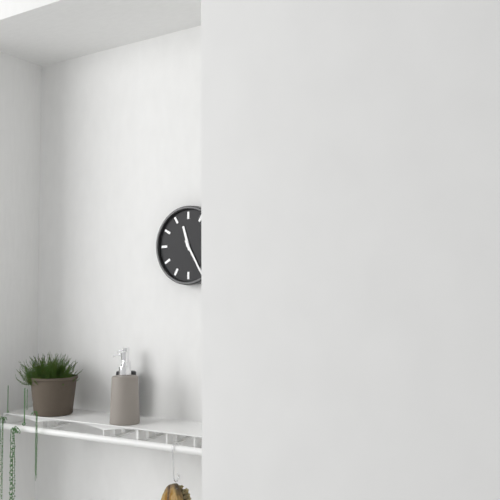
11.25
